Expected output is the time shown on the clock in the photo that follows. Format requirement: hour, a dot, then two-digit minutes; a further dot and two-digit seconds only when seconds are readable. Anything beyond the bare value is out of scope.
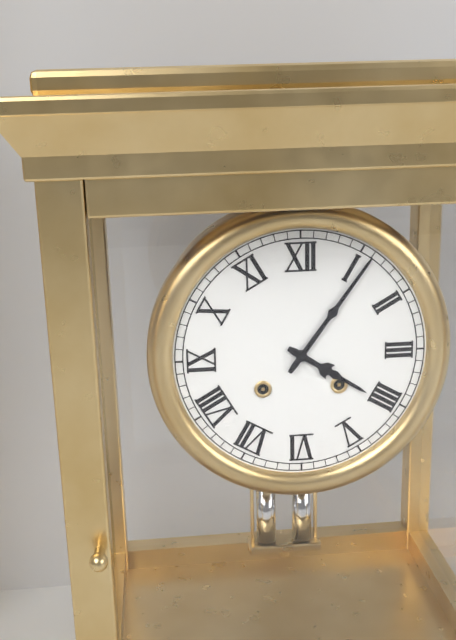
4.06
